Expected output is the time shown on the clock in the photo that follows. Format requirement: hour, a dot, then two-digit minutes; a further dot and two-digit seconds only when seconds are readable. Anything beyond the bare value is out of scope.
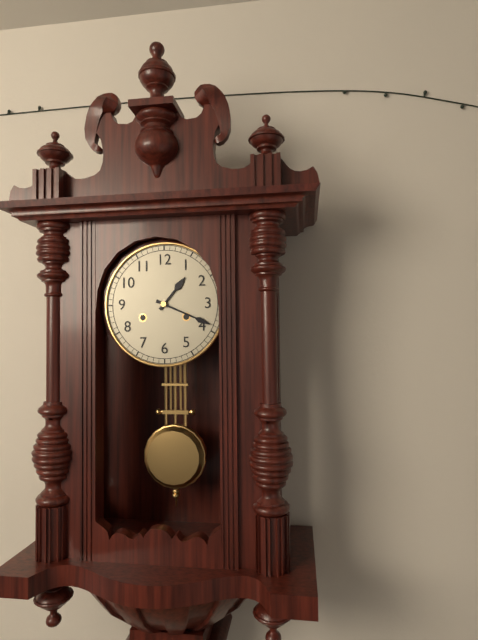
1.19
